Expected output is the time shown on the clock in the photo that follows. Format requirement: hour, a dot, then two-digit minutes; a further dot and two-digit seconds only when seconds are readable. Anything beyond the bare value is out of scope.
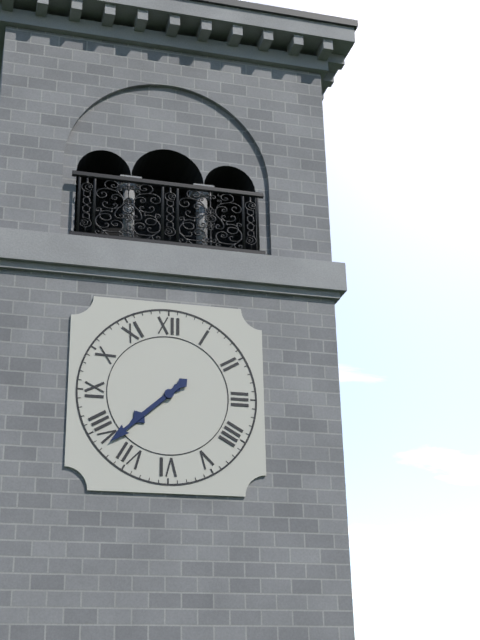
7.38
